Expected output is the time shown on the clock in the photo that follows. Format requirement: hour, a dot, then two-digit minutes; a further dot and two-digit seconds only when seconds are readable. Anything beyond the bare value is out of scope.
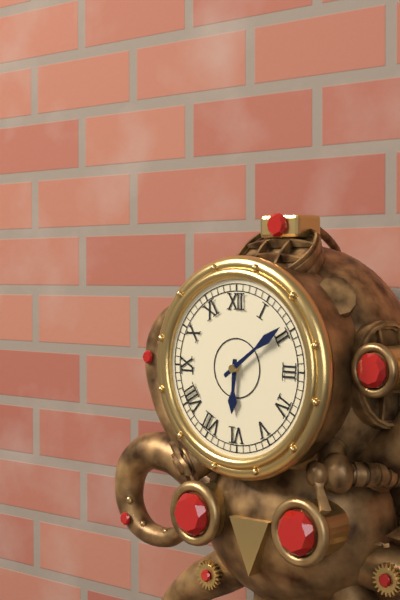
6.09
